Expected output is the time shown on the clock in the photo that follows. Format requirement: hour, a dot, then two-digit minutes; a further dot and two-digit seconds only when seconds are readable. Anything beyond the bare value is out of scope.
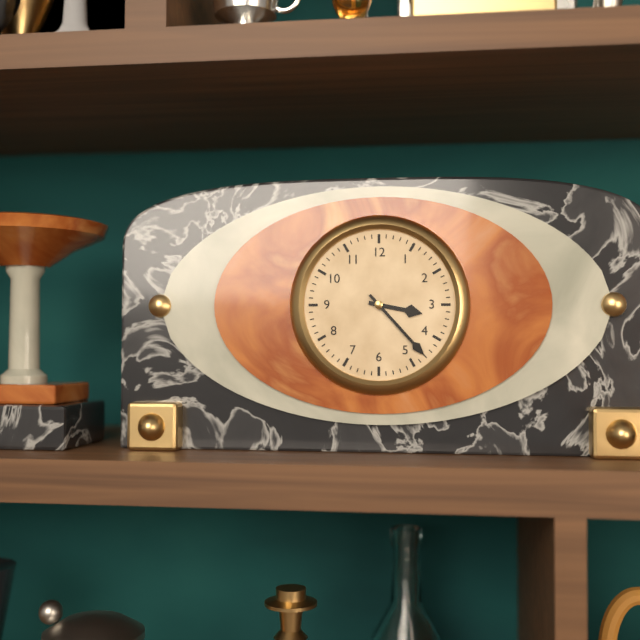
3.23
